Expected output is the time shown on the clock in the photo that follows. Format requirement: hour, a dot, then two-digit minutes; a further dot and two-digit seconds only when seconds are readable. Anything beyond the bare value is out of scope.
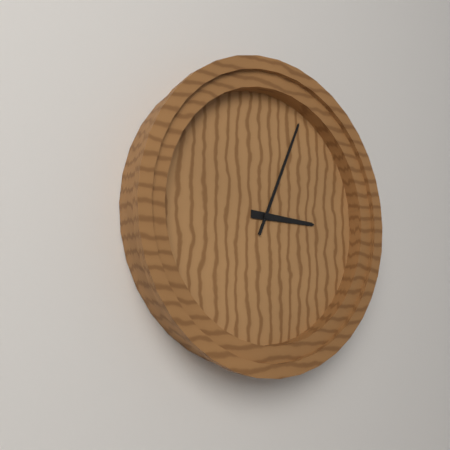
3.04
